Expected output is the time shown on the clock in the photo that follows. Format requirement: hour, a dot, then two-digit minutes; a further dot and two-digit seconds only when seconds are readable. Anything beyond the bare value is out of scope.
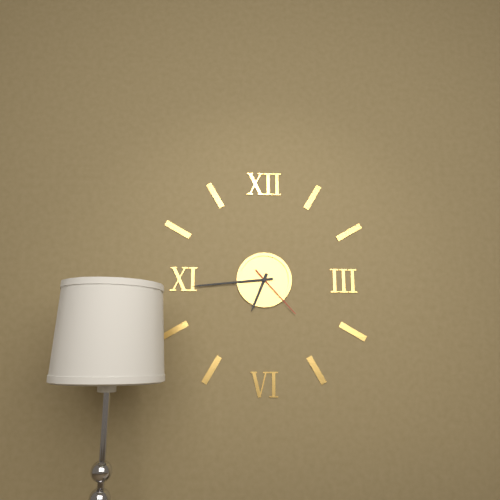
6.44.23
